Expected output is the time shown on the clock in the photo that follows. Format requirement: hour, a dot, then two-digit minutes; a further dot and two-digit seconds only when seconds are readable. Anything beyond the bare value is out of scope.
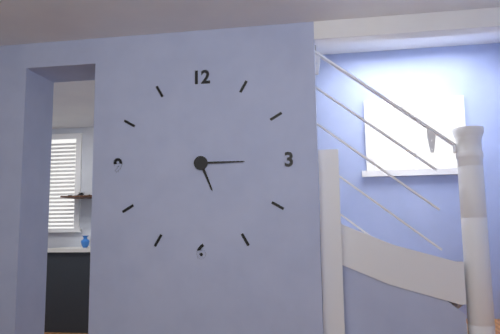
5.15
